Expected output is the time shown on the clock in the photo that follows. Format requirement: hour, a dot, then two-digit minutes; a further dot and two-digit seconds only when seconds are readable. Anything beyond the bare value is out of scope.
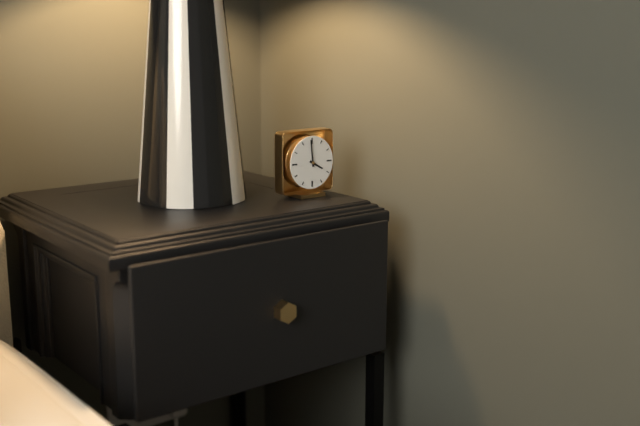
3.59
